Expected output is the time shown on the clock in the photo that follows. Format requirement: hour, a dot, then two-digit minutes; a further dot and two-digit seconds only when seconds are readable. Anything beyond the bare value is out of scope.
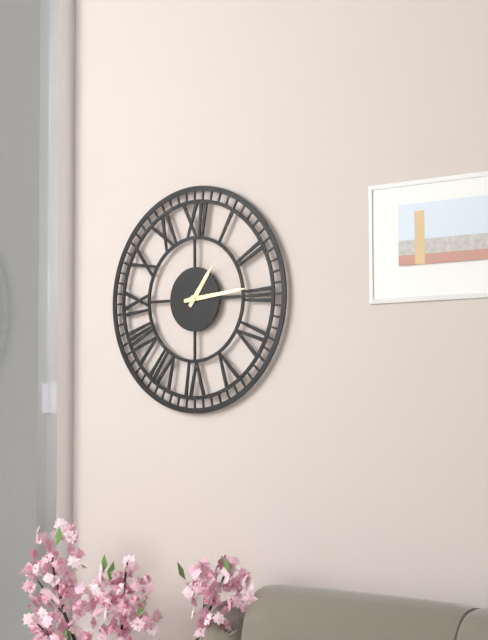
1.14
